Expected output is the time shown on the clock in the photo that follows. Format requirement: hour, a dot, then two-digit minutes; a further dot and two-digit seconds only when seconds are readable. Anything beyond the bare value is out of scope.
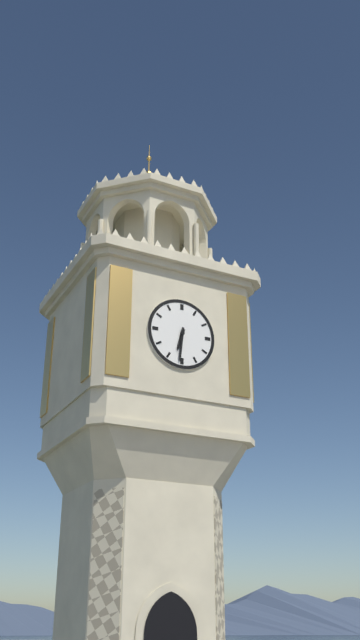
6.31
